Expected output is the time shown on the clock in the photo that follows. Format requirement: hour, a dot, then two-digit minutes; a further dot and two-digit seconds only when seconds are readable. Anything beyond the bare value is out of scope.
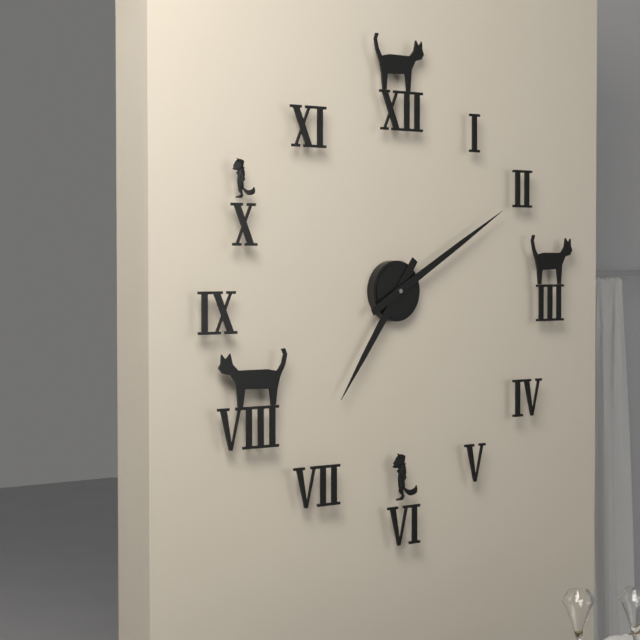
7.10
